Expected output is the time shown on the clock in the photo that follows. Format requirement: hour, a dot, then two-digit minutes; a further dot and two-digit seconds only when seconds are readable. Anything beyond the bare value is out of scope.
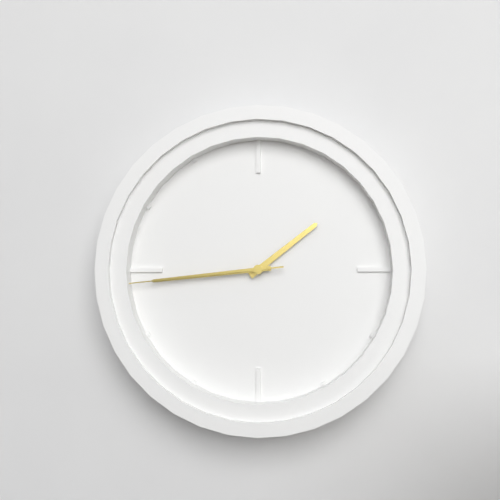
1.44.44
